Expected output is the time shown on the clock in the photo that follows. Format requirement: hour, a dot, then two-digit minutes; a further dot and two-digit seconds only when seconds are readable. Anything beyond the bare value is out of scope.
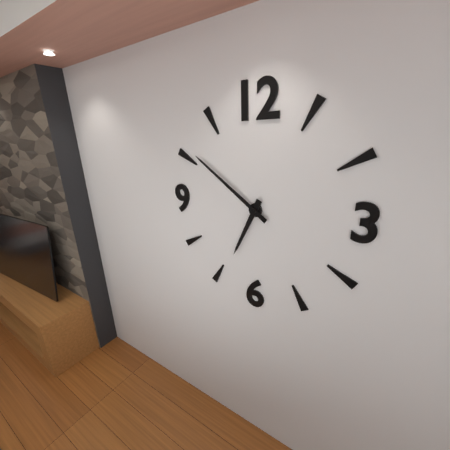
6.51
